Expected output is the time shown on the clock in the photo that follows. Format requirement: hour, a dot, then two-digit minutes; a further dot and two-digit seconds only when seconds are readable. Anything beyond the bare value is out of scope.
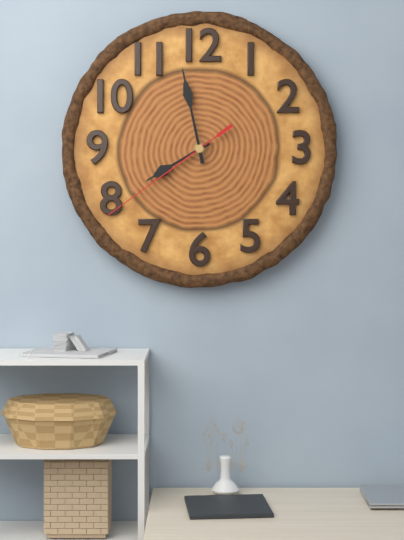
7.58.39
